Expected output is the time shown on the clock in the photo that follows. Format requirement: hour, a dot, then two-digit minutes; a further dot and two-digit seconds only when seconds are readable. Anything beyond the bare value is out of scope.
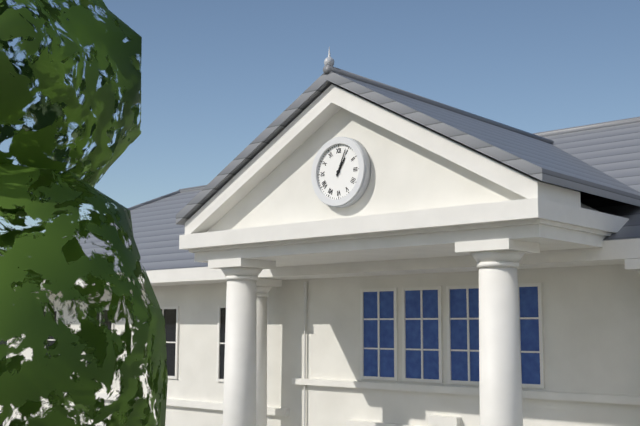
1.04
